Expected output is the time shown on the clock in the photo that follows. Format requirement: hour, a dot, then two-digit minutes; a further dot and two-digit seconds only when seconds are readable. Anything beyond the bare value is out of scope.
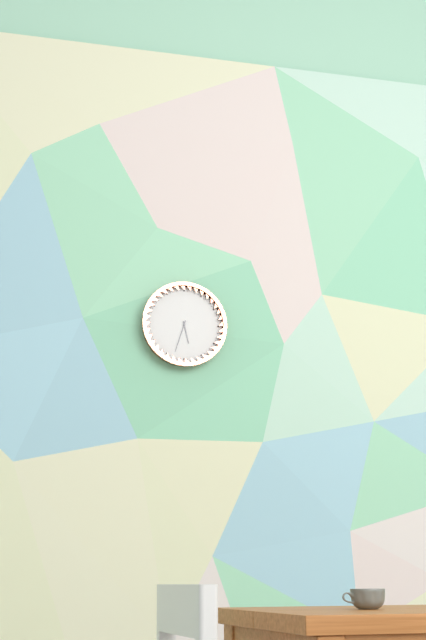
5.33
